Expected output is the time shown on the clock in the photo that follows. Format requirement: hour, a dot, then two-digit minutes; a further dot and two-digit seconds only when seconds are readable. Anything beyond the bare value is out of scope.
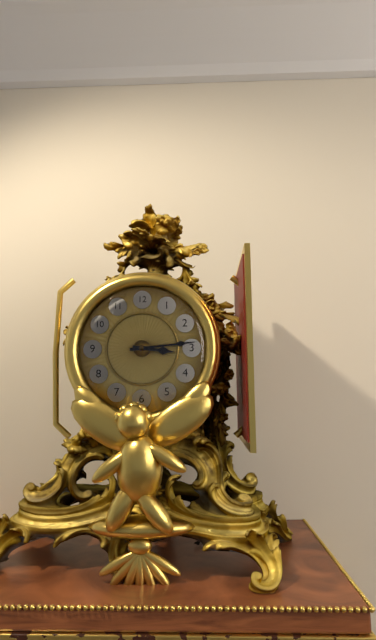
3.14
